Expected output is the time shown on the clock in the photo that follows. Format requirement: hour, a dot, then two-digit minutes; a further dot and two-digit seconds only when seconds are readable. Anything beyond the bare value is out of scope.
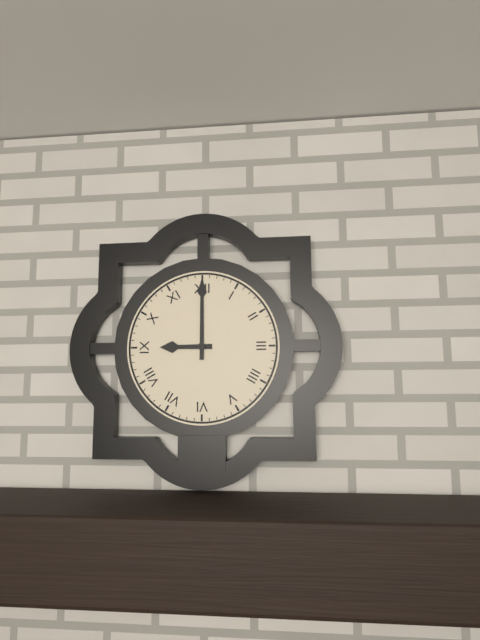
9.00
